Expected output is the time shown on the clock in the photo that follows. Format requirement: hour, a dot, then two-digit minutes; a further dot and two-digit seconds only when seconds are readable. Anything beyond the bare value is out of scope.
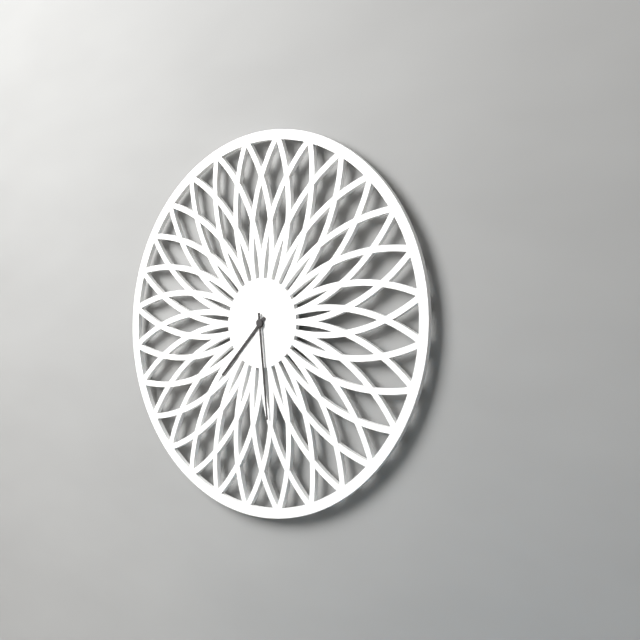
7.29
